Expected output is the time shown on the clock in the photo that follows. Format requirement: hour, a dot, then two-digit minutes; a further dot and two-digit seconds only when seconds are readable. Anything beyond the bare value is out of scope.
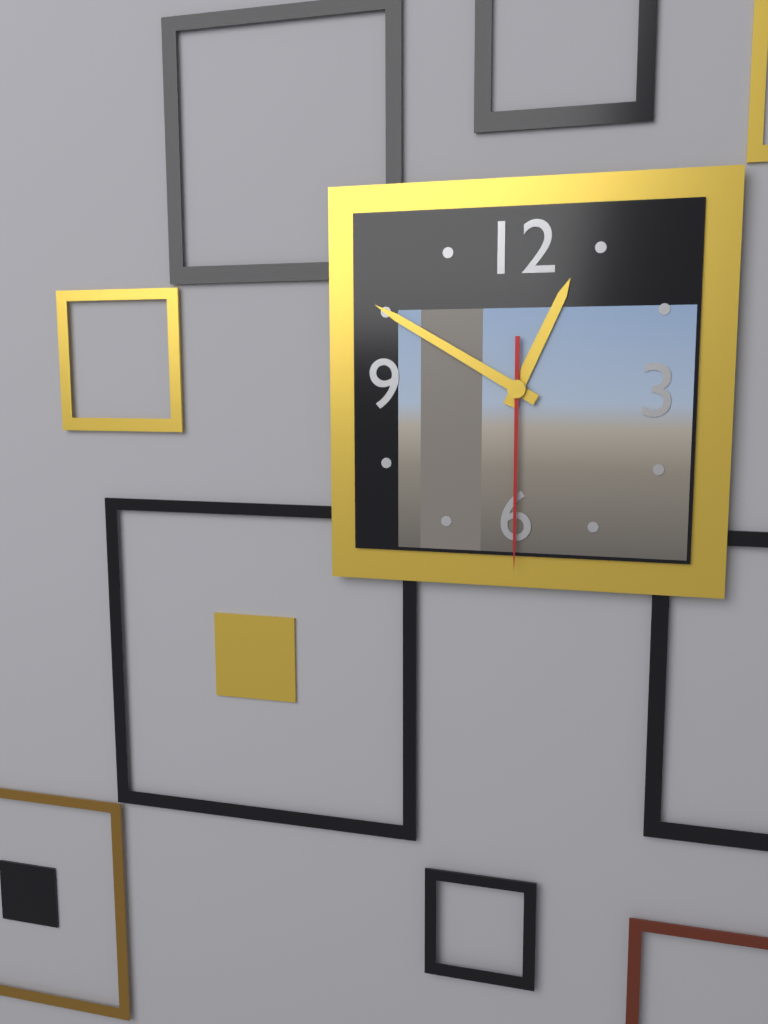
12.50.30
